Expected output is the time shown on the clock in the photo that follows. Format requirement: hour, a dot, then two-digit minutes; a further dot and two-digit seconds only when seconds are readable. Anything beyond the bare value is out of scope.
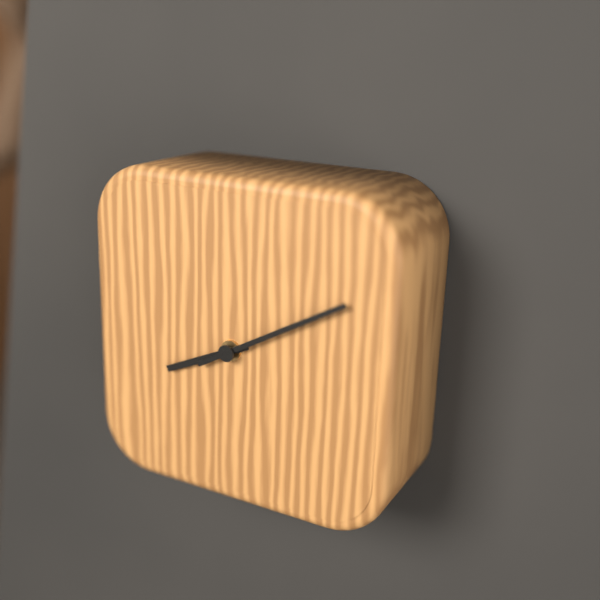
8.10
